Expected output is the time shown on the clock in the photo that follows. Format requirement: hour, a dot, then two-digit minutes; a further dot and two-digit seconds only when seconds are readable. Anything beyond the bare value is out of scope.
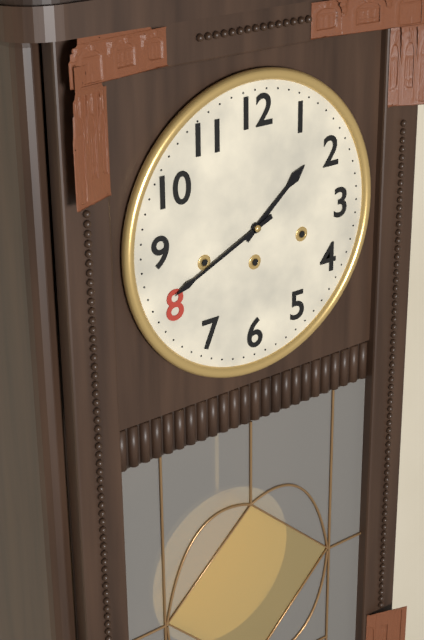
1.41
